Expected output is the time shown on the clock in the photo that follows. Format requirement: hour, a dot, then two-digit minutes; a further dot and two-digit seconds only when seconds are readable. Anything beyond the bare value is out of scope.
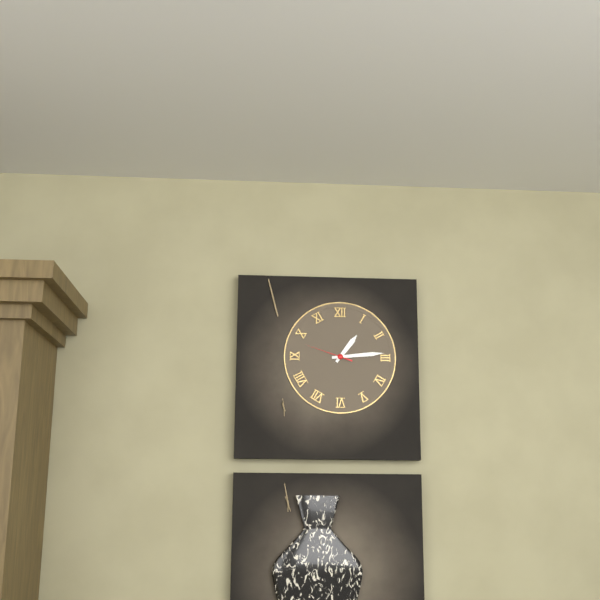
1.14
